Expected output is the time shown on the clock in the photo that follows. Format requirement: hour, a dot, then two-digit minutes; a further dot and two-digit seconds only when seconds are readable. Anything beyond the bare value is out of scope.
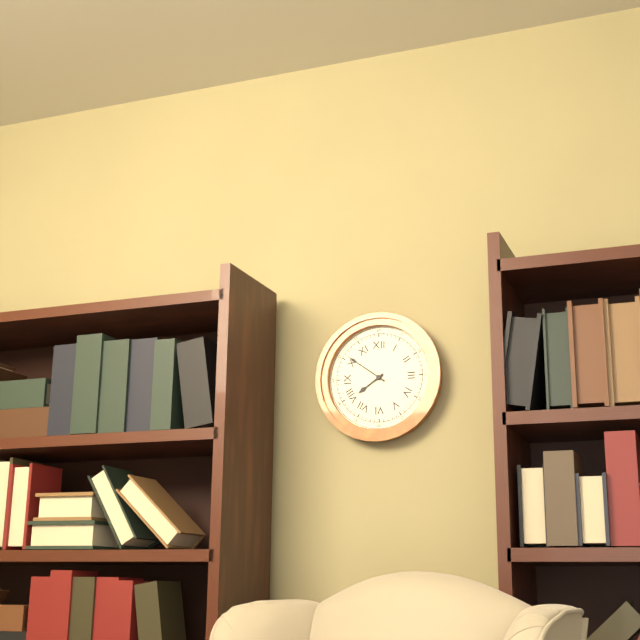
7.51
